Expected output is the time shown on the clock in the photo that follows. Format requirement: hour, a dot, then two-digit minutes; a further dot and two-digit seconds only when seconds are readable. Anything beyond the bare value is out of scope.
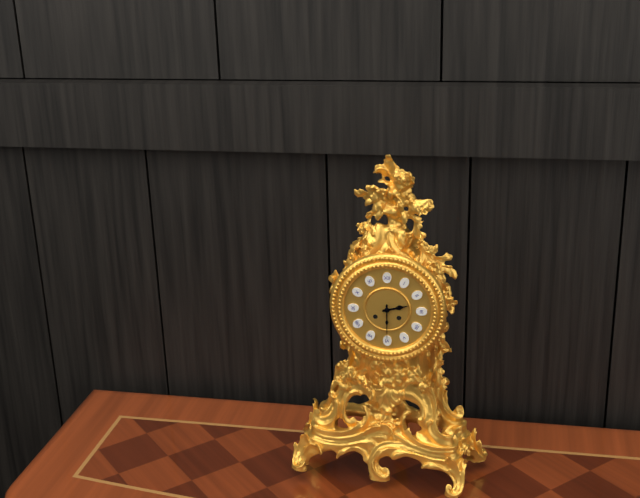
2.30
